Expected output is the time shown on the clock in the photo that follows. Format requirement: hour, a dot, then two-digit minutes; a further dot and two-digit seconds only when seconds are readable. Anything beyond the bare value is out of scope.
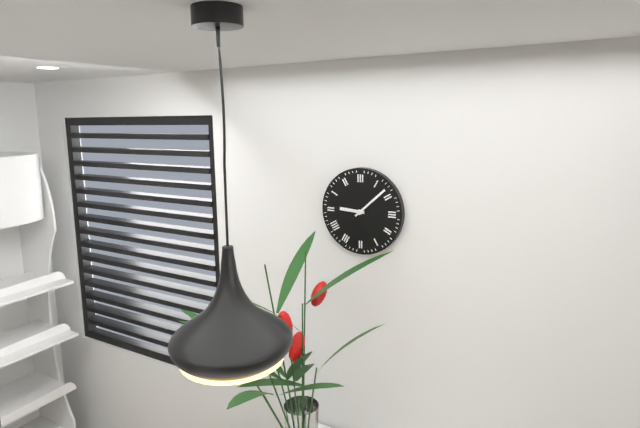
9.08
